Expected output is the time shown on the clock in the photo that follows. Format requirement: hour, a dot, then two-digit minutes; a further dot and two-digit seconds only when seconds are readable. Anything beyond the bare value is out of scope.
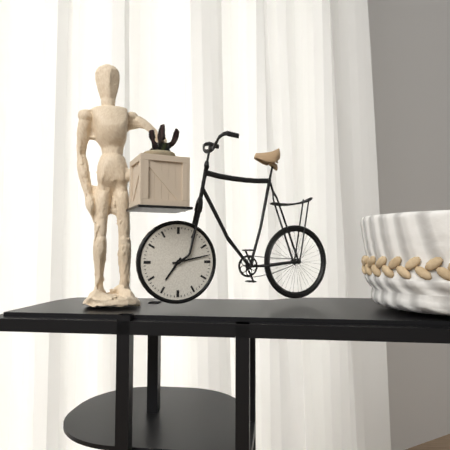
7.13
